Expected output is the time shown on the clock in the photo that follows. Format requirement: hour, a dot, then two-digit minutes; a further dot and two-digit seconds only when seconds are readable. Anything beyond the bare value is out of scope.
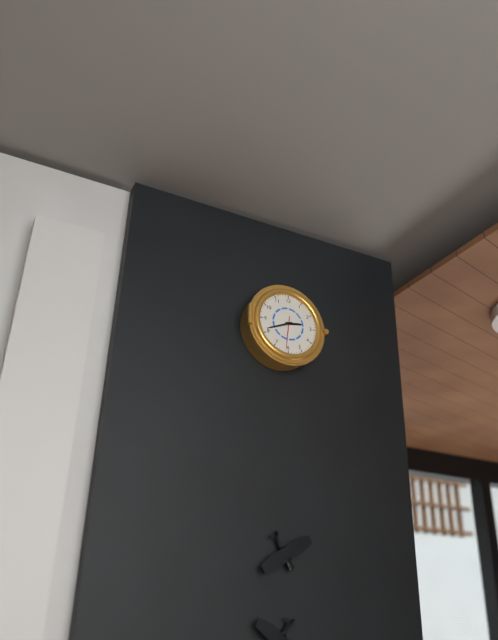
2.41
